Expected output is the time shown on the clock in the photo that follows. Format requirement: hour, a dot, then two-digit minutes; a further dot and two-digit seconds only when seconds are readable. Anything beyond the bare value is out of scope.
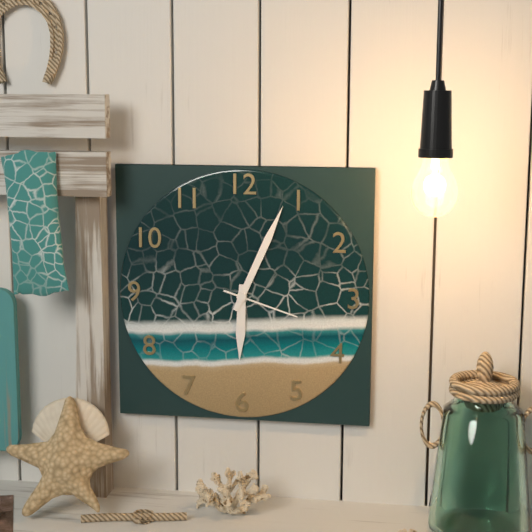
6.04.18
